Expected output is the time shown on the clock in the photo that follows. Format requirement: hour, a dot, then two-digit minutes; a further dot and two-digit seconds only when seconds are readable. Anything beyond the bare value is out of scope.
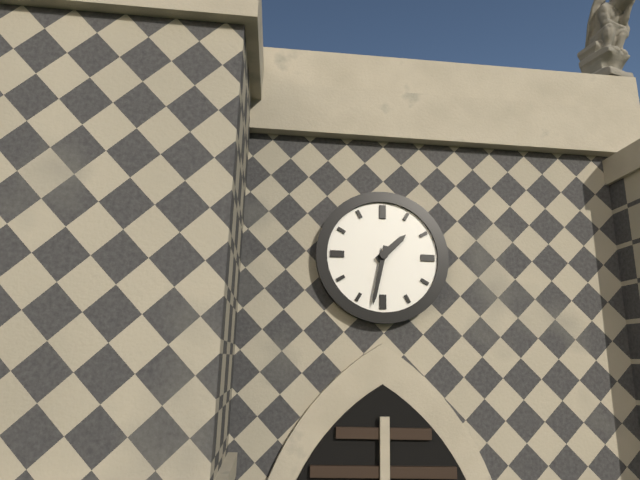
1.32
